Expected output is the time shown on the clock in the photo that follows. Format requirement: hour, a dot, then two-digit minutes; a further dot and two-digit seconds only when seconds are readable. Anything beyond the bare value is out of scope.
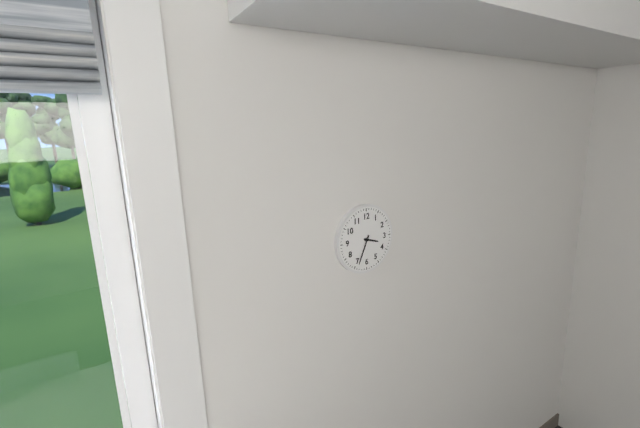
3.34
